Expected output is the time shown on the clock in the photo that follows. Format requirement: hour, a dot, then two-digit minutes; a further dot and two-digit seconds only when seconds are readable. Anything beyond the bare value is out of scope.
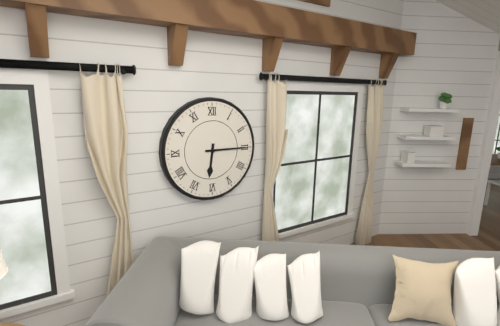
6.15
